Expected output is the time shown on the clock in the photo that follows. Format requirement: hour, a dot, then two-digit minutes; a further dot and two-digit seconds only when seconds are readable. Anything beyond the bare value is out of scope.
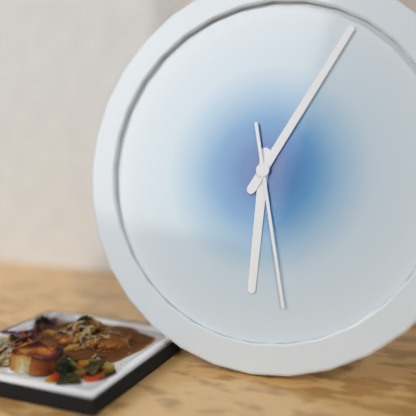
6.05.28
